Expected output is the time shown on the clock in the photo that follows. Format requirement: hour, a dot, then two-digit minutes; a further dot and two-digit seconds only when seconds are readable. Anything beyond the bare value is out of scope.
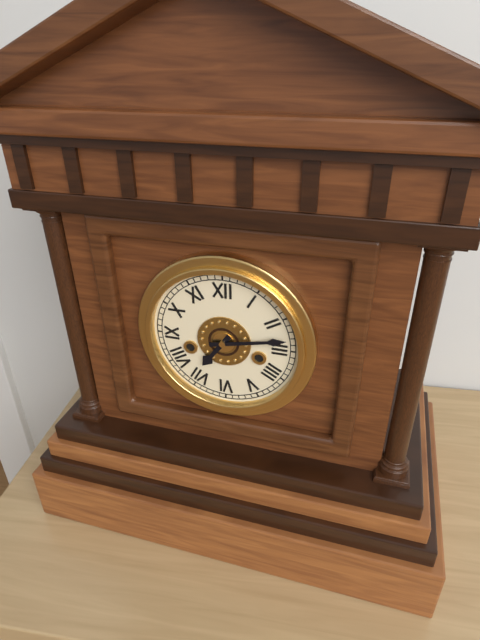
7.13
